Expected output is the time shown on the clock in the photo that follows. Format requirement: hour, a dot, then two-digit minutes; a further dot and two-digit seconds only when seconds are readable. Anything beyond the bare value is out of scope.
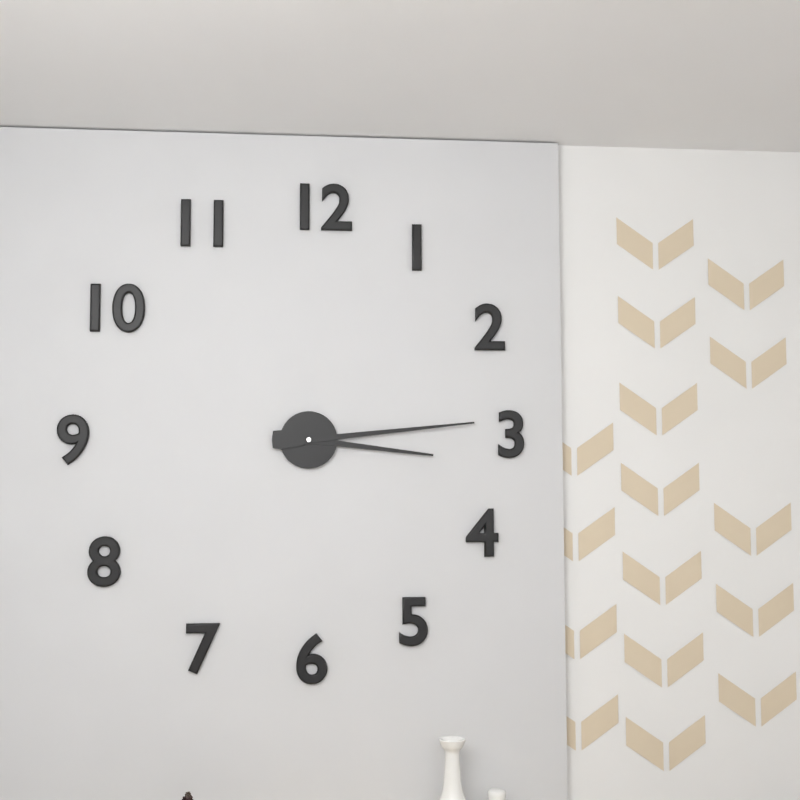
3.14
